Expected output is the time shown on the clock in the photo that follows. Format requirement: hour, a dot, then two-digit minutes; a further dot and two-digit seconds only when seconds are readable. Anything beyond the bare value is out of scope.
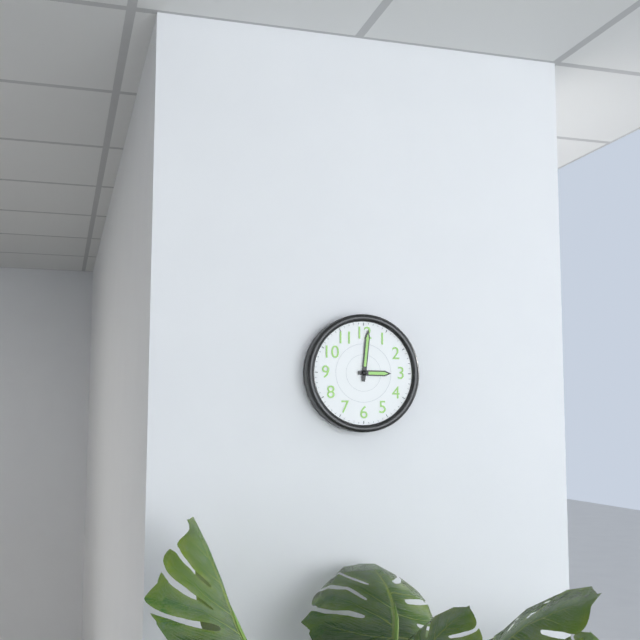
3.01
